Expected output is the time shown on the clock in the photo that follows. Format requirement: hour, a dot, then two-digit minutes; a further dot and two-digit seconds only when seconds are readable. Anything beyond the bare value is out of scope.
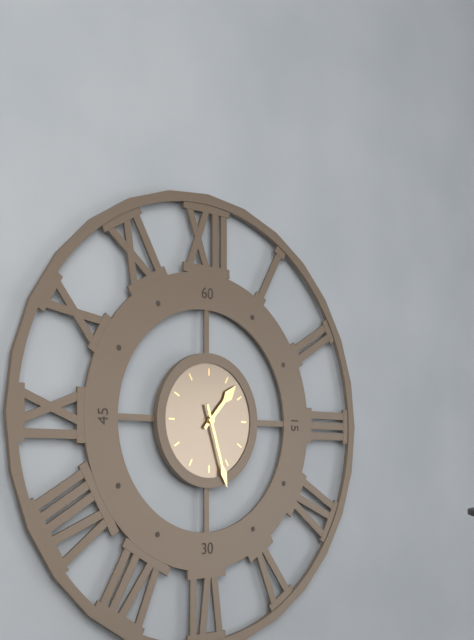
1.27
